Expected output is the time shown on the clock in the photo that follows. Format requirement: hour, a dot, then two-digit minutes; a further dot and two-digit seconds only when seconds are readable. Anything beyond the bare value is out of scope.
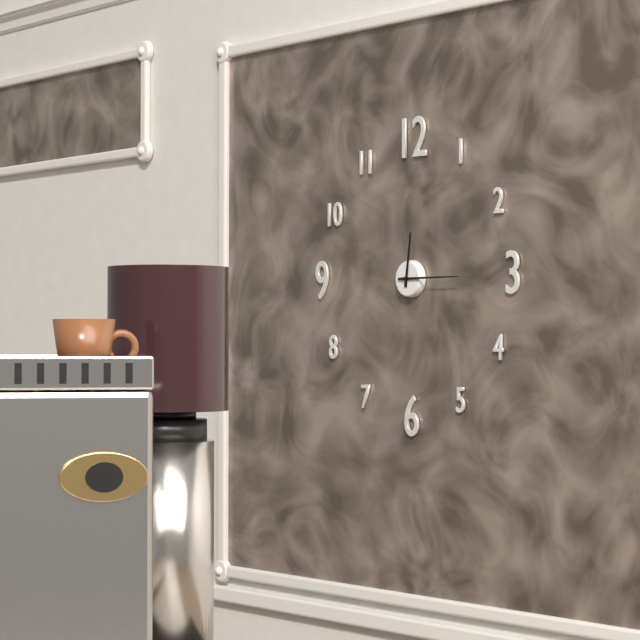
12.15
